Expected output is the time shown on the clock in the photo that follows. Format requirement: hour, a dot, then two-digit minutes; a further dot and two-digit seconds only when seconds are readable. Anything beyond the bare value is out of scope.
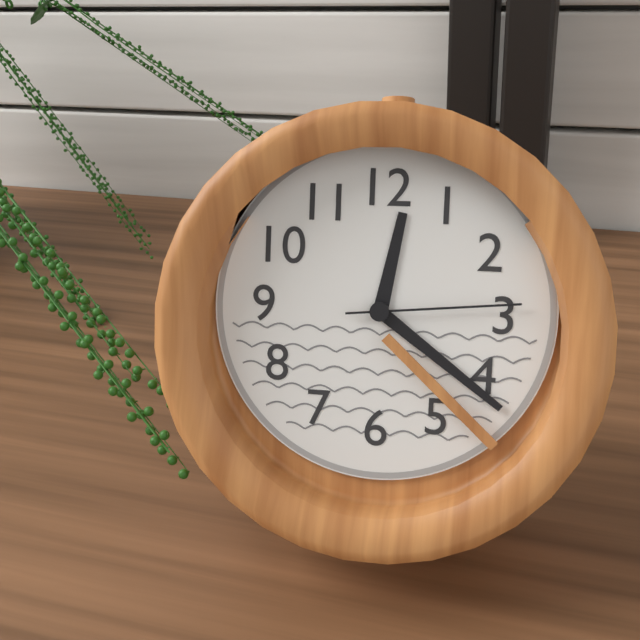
12.21.14
